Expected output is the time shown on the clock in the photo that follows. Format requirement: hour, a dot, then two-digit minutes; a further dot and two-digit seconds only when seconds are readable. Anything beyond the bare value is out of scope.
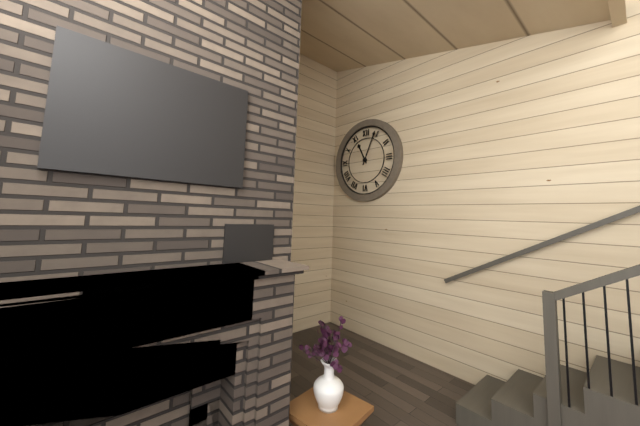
11.04
